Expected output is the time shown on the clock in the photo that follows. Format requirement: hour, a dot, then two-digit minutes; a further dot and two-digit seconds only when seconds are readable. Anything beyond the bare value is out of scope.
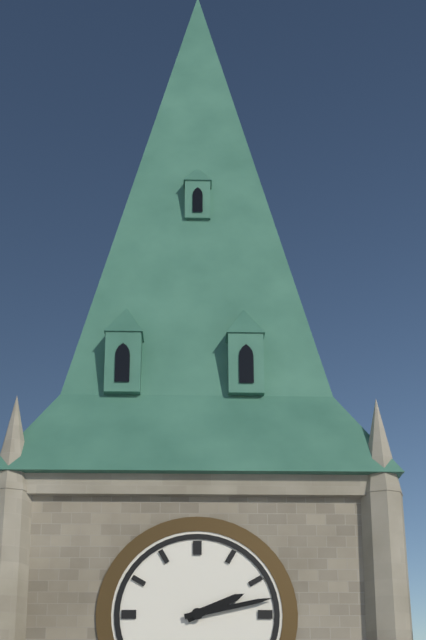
2.13
